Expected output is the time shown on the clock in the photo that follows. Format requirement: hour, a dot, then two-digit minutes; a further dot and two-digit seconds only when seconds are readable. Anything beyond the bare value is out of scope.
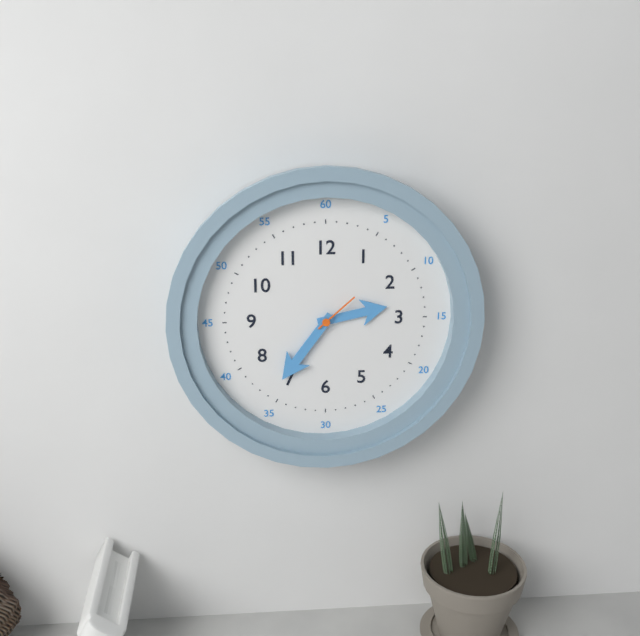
2.36
